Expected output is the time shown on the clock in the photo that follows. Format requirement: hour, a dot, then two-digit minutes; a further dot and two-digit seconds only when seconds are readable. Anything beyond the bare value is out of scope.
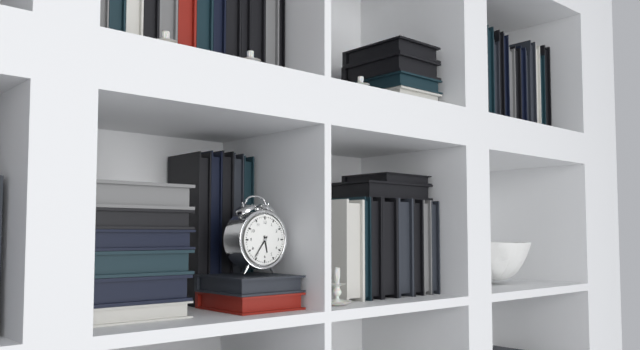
5.36
